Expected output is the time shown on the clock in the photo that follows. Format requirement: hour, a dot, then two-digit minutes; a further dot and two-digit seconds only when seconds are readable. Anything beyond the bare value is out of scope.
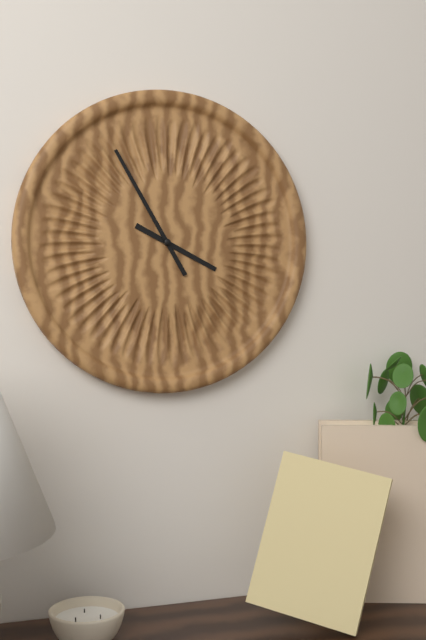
3.55
